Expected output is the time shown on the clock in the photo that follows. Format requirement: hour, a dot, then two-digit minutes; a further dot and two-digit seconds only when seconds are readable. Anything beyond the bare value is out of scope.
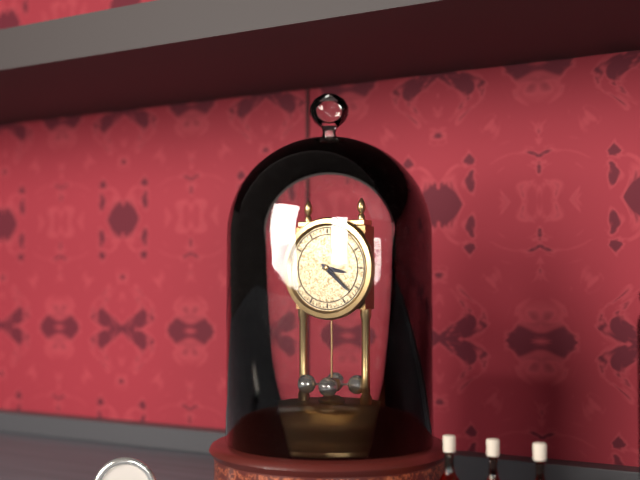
3.22
